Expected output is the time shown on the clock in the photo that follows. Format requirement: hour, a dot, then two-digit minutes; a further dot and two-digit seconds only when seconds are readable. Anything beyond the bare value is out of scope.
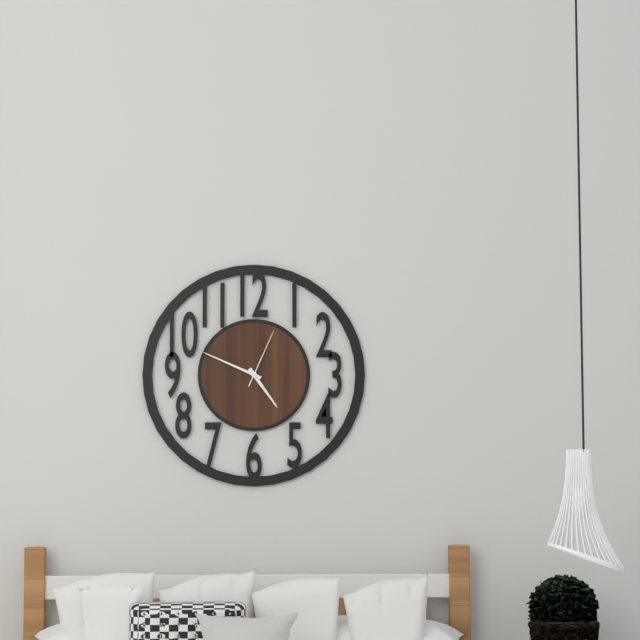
4.49.04
